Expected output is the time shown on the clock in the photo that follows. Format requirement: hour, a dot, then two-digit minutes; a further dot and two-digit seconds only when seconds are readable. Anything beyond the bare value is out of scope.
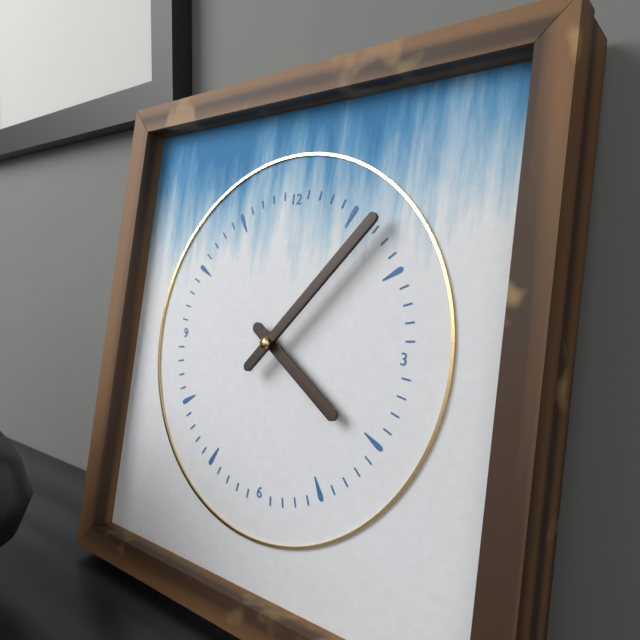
4.07
